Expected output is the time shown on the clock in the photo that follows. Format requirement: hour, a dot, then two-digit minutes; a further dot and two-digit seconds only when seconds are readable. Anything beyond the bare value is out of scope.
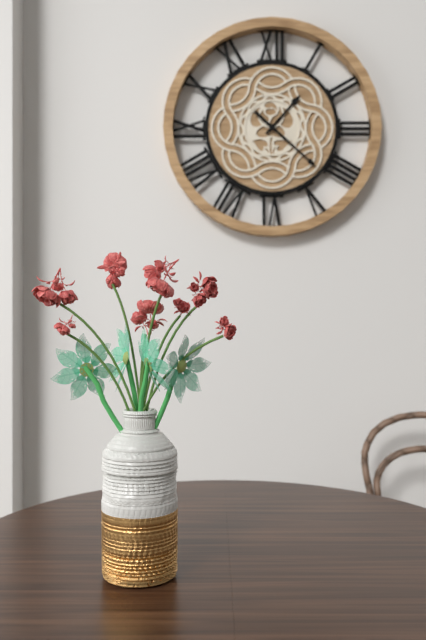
1.22
